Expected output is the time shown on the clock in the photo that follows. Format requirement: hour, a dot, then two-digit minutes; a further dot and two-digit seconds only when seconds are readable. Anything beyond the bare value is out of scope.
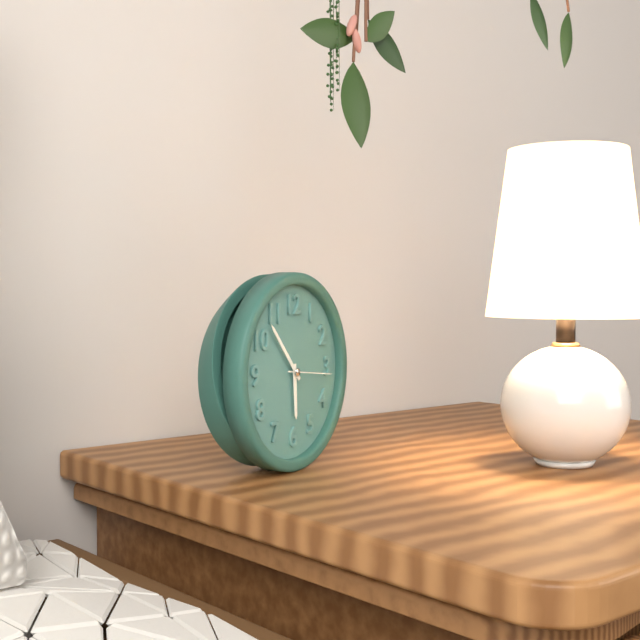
5.53
